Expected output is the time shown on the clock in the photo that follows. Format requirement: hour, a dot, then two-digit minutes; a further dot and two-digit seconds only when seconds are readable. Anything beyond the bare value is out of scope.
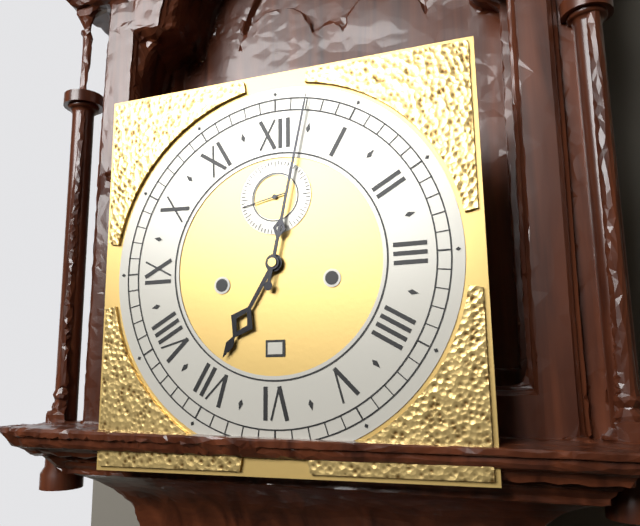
7.02
